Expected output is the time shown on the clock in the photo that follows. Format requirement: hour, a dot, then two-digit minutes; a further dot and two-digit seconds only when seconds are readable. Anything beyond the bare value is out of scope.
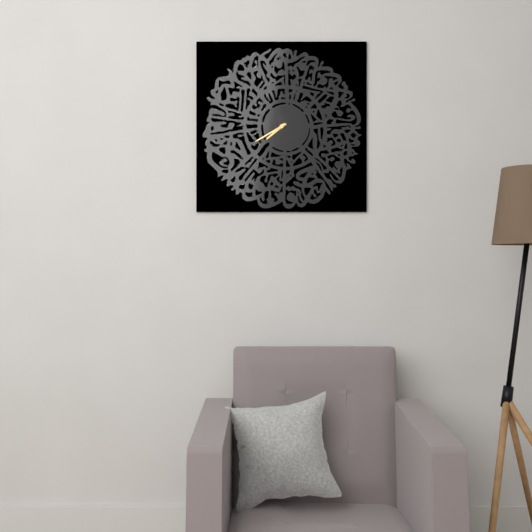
7.40
